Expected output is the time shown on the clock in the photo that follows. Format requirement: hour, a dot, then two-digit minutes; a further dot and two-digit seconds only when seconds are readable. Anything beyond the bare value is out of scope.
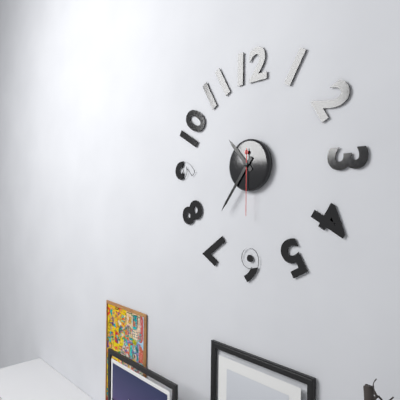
10.36.30
